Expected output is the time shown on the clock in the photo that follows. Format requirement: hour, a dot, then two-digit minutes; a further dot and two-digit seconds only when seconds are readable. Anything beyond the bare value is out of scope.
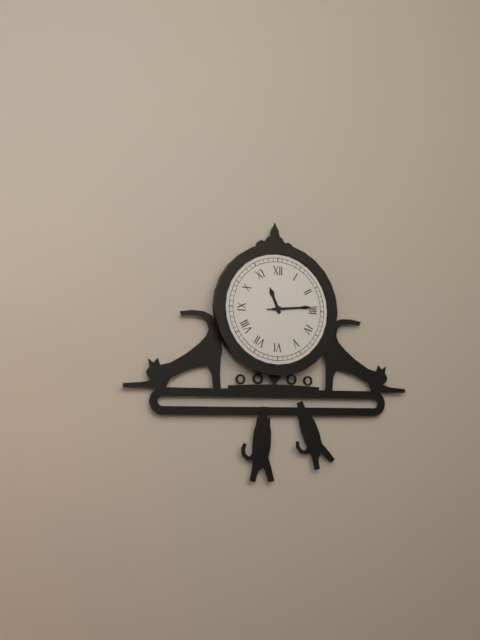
11.14
